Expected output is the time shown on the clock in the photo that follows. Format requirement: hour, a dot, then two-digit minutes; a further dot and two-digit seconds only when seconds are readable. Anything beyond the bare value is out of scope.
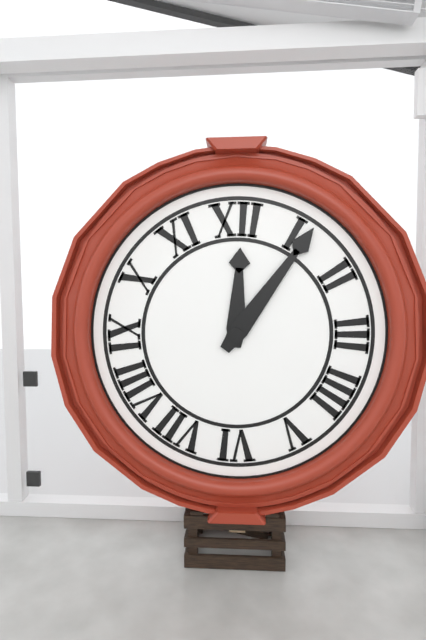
12.06
